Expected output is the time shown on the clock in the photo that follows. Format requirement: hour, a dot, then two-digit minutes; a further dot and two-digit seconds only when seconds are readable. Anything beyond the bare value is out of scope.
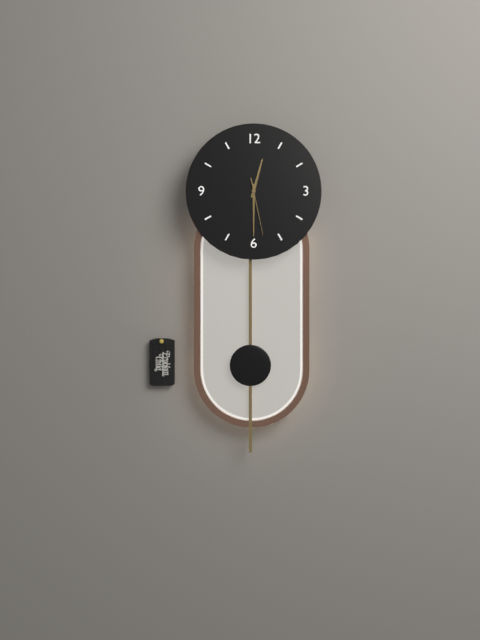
12.30.28
